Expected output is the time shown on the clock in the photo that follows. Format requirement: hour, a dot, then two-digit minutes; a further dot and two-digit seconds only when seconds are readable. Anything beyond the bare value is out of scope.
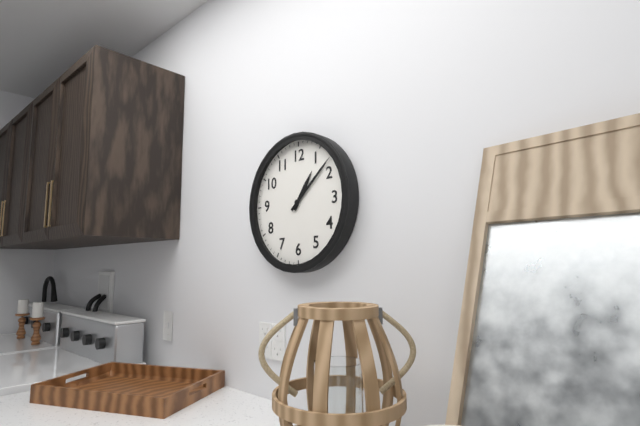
1.08
